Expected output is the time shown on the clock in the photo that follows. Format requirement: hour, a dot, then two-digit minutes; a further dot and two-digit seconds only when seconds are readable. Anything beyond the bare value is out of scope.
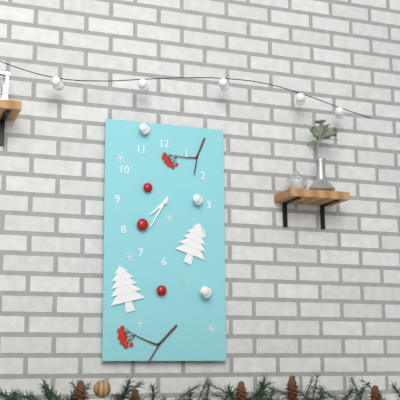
7.35
